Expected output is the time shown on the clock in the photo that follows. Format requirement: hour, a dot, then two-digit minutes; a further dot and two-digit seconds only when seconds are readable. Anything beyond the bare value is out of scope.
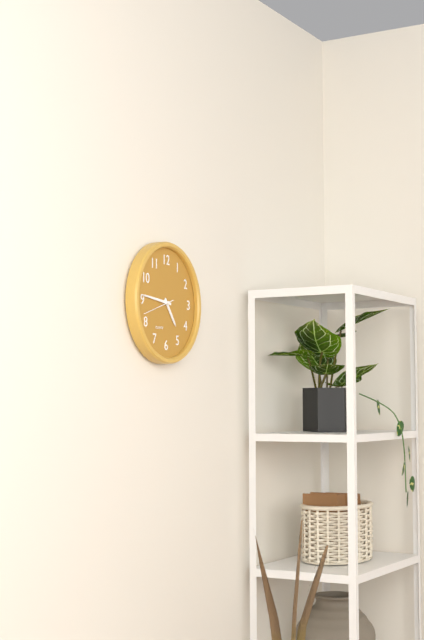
4.46
